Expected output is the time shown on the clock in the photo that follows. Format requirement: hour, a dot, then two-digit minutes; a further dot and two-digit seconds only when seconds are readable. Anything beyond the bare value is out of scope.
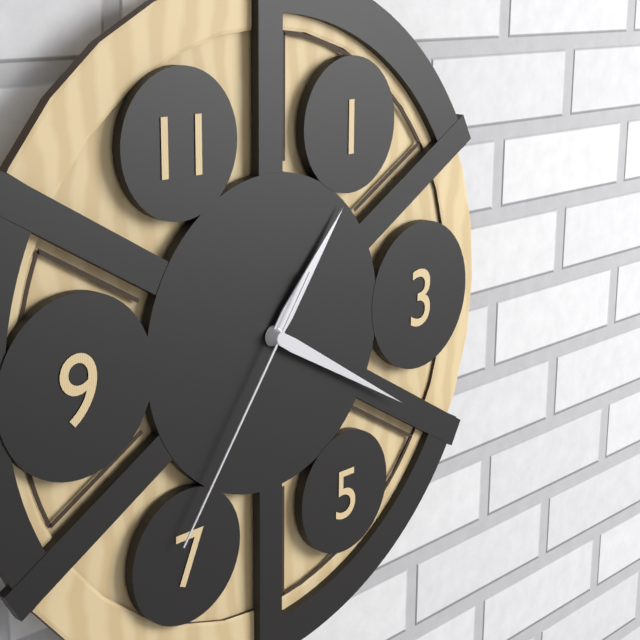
1.20.36
